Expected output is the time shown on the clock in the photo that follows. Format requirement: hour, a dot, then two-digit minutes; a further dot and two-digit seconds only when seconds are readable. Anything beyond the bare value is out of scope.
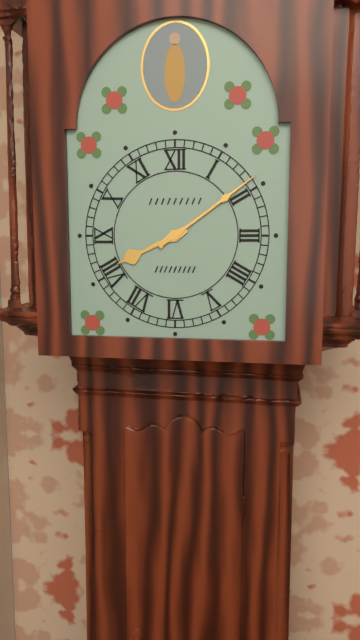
8.09
